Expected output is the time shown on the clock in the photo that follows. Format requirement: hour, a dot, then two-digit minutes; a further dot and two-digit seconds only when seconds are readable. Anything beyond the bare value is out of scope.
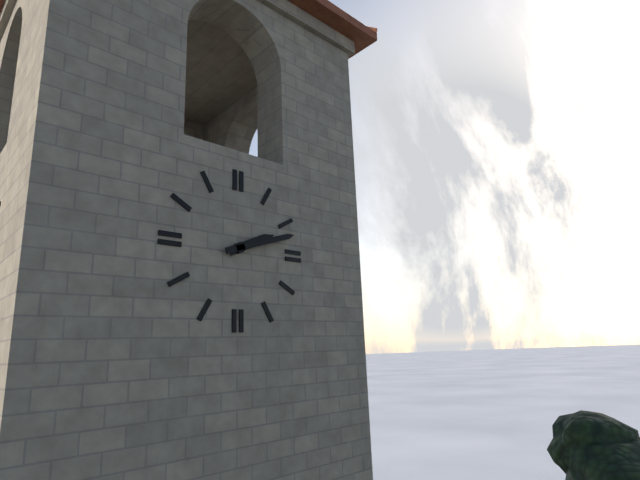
2.12
